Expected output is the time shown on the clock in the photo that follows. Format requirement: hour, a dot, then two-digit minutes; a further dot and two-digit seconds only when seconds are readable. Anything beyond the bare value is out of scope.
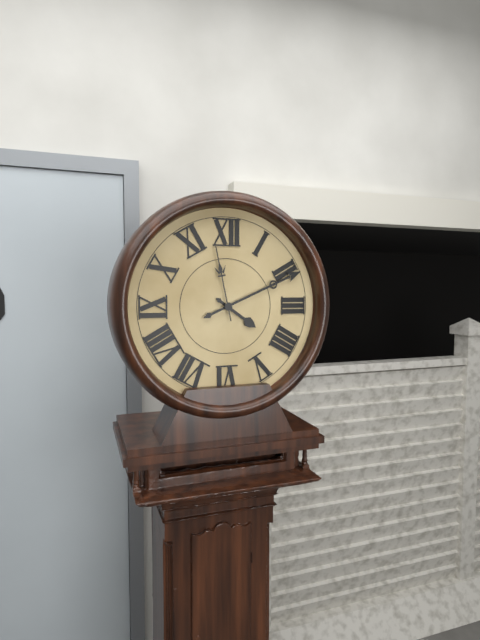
4.11.58
